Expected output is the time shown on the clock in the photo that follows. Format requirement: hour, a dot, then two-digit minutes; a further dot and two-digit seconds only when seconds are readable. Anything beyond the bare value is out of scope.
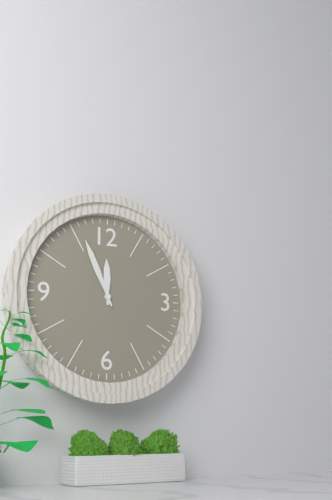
11.56
